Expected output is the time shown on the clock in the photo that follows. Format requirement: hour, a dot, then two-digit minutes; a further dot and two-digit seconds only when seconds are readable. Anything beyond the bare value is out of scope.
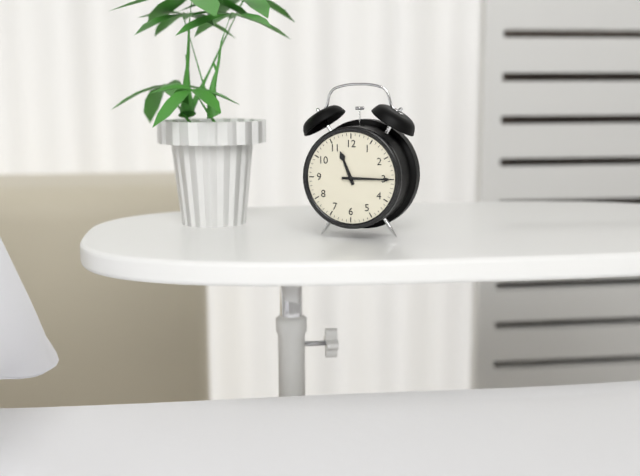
11.15
